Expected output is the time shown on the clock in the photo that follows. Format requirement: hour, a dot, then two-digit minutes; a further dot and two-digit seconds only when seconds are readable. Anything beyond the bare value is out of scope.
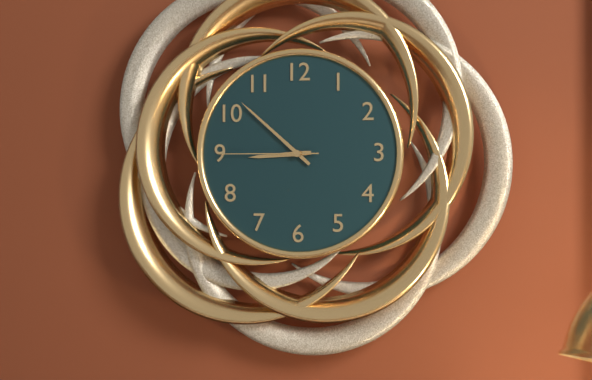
8.52.45
